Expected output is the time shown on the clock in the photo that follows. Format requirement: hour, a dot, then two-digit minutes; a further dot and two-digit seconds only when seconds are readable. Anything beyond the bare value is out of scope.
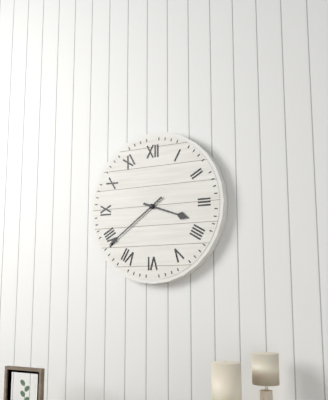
3.39
